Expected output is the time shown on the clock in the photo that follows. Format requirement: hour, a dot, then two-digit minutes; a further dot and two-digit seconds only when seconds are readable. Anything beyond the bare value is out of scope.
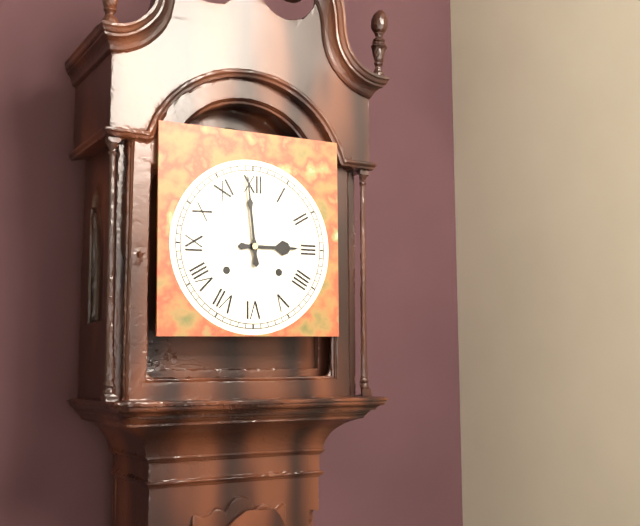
2.59
